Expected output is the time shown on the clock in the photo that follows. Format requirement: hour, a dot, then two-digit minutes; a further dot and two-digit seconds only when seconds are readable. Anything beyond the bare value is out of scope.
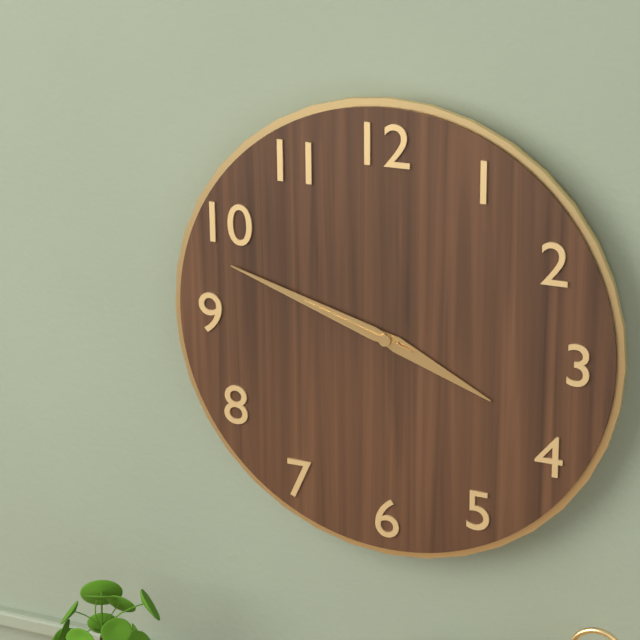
3.48.48
